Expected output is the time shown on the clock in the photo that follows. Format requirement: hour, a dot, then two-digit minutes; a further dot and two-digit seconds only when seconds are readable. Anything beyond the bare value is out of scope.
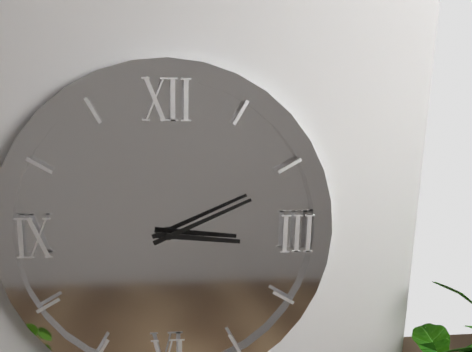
3.11
